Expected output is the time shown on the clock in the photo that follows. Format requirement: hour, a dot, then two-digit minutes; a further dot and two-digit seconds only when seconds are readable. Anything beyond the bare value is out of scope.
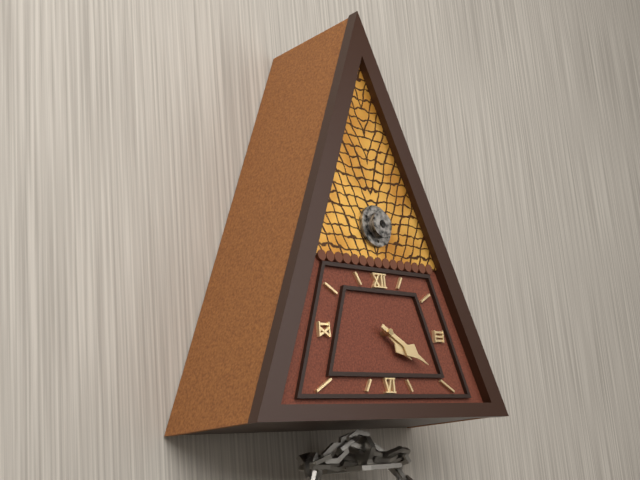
4.20
